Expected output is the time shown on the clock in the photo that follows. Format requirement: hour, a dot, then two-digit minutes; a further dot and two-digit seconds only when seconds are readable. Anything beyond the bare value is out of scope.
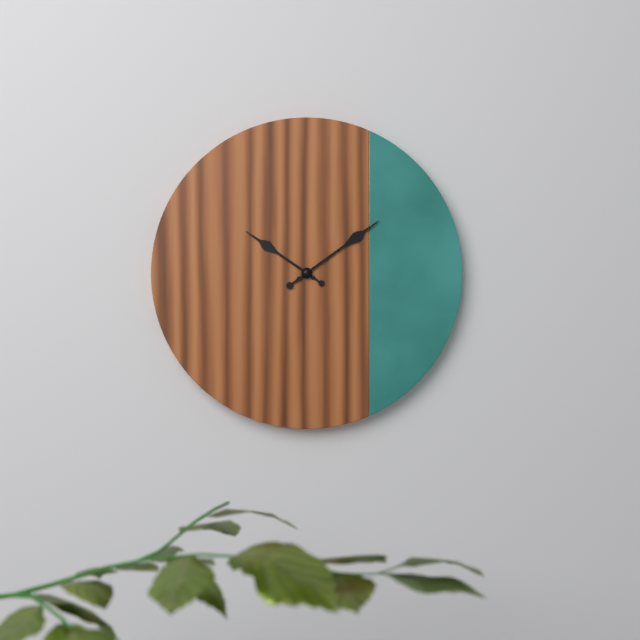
10.09
